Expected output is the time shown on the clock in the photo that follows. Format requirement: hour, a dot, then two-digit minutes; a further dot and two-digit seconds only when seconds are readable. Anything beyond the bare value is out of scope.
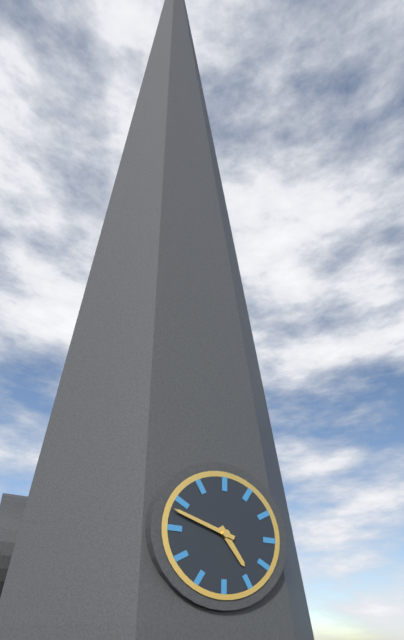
4.48
